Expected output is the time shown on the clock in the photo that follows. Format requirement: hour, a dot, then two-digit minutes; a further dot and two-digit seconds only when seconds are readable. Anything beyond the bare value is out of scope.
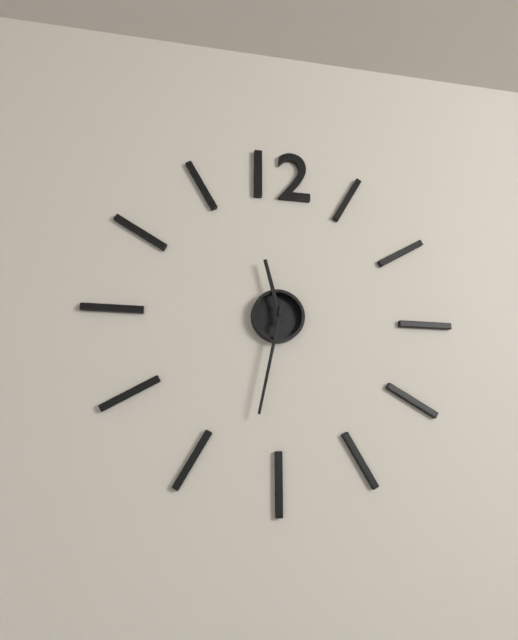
11.32
